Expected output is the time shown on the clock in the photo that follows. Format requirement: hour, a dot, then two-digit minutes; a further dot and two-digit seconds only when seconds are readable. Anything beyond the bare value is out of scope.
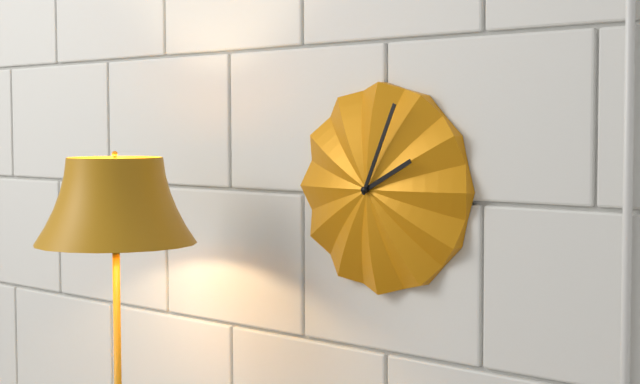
2.04
